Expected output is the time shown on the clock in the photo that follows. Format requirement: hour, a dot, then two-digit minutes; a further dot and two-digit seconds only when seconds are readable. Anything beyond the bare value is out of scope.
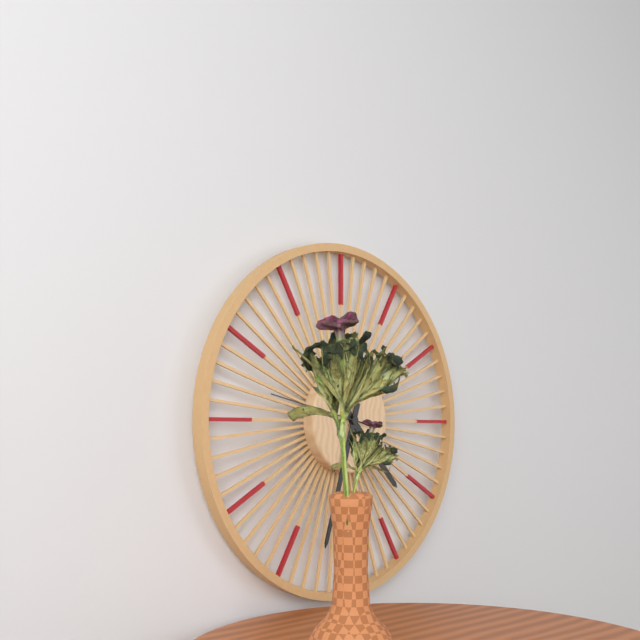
4.33.47
